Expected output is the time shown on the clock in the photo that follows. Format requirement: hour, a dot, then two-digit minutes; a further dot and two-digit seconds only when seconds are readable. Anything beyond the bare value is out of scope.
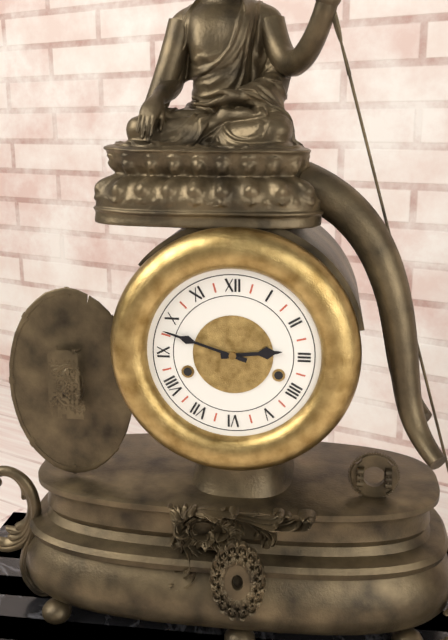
2.48
